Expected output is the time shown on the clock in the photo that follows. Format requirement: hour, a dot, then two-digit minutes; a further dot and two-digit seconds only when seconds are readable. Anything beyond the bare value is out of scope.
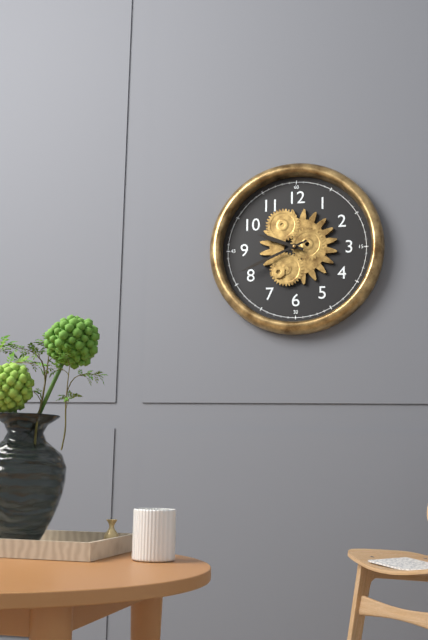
9.41
